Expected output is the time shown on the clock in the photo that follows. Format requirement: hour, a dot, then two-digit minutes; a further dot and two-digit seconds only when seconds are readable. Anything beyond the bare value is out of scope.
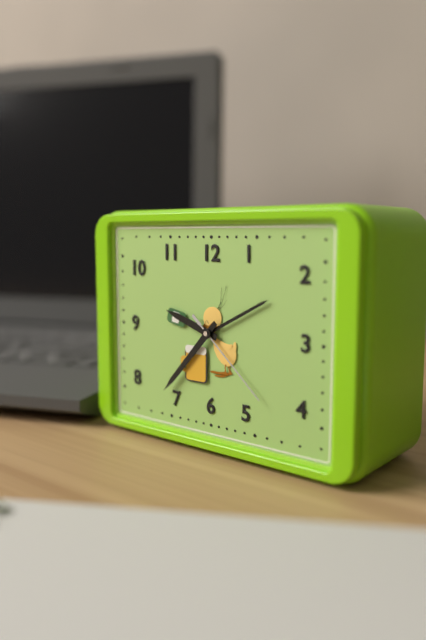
9.37.22
